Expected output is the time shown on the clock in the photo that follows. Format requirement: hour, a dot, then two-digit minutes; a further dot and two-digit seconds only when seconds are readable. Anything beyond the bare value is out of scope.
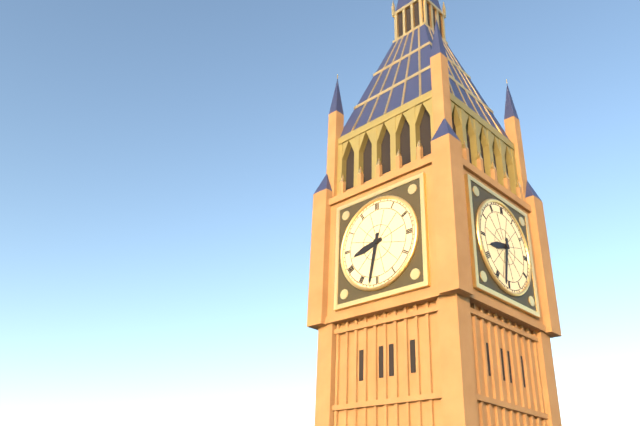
8.32
